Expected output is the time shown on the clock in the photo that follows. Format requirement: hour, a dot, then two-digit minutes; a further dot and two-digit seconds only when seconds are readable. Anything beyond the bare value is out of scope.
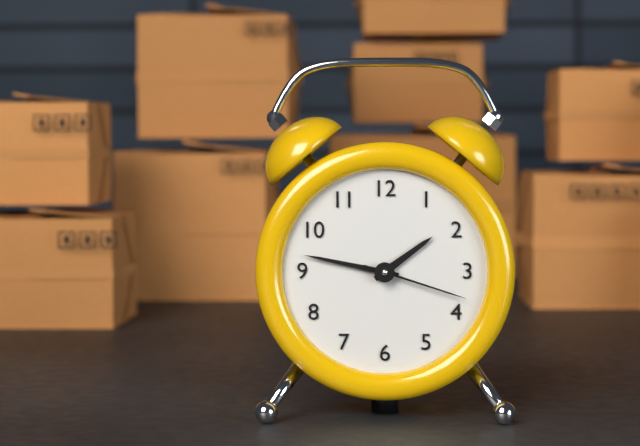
1.47.18
